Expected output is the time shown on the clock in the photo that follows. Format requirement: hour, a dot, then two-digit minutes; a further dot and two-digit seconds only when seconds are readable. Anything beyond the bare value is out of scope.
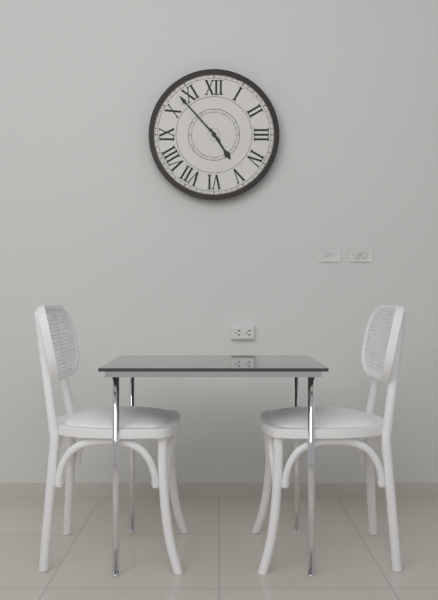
4.53
